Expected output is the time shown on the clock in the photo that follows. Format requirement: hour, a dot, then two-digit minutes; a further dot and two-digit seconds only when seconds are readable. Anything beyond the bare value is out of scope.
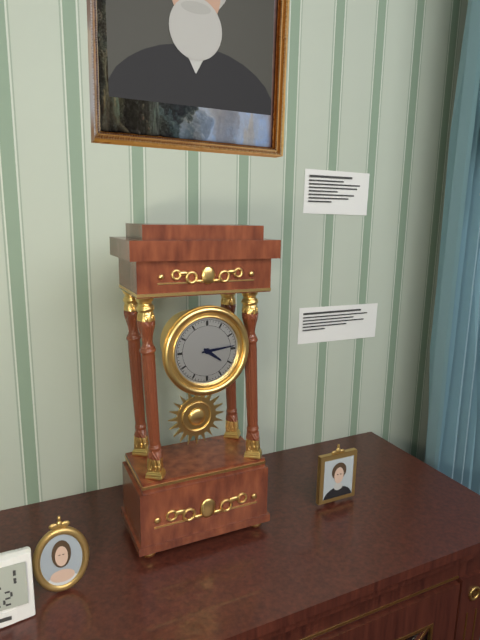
4.14
